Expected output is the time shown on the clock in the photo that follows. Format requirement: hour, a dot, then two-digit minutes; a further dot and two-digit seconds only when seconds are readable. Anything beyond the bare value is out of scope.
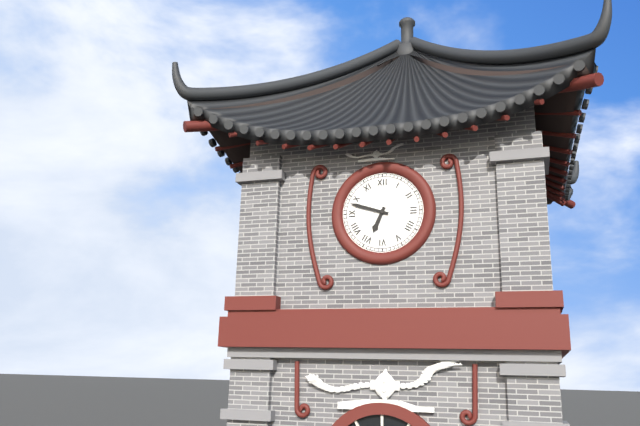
6.48
